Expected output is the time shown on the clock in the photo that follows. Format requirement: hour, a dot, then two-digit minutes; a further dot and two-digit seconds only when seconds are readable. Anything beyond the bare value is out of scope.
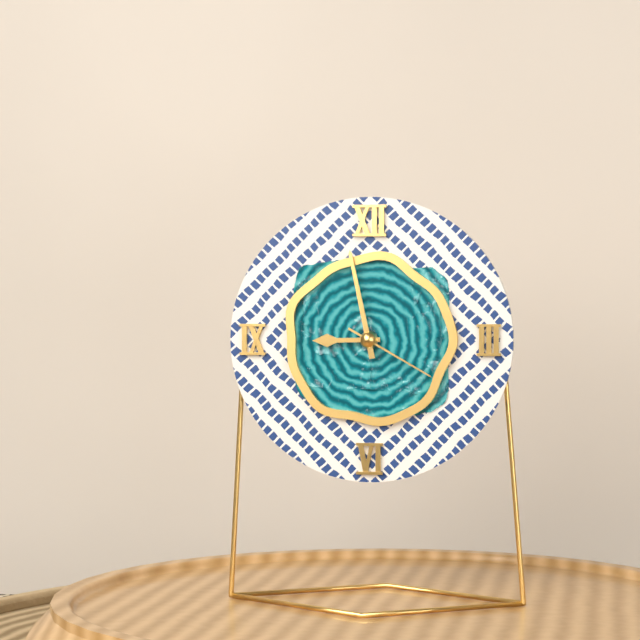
8.58.20
